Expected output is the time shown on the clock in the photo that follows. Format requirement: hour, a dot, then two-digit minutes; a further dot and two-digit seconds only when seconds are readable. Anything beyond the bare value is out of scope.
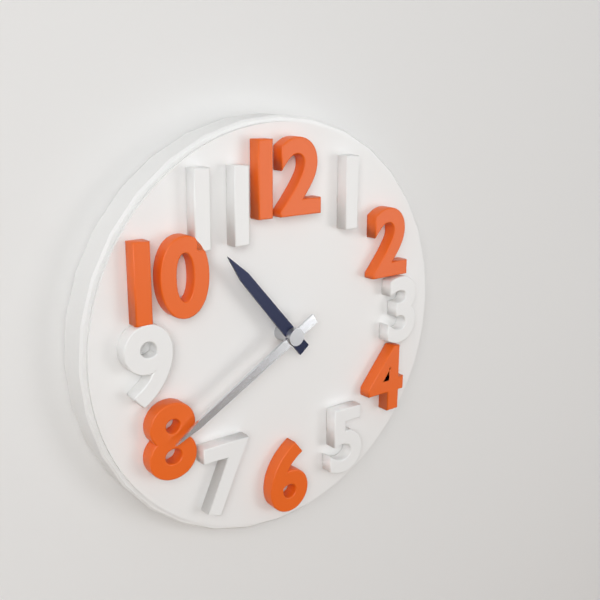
10.40
